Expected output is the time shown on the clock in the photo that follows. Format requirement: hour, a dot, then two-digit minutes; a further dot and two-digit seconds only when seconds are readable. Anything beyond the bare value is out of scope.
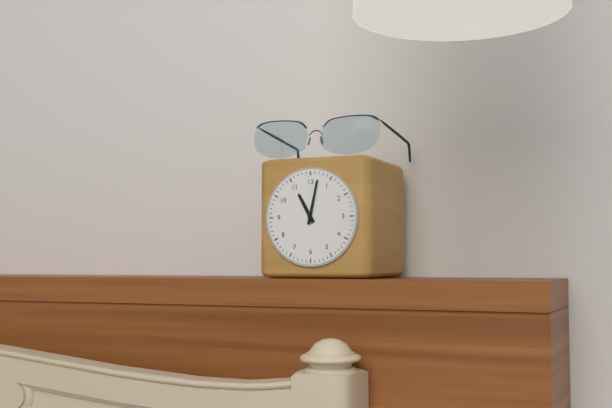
11.02
